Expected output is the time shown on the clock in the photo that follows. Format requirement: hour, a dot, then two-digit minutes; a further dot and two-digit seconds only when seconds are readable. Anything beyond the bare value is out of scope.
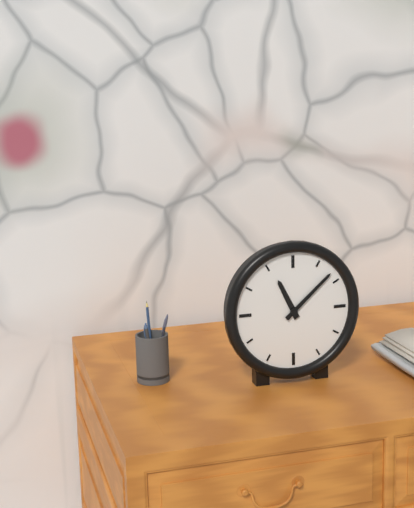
11.08
